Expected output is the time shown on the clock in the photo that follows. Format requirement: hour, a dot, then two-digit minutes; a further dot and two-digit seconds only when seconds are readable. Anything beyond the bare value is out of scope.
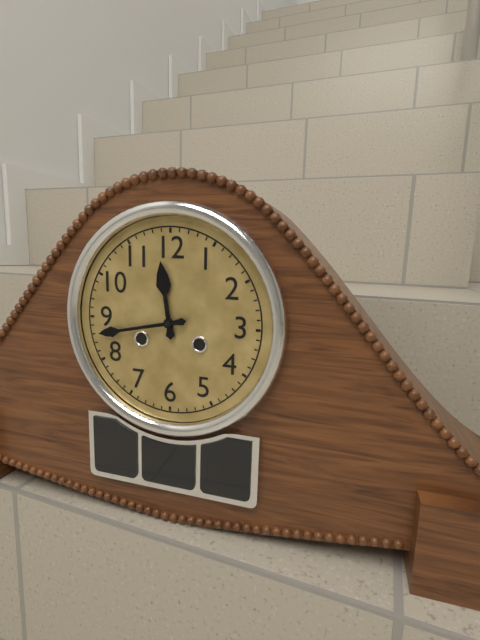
11.43
